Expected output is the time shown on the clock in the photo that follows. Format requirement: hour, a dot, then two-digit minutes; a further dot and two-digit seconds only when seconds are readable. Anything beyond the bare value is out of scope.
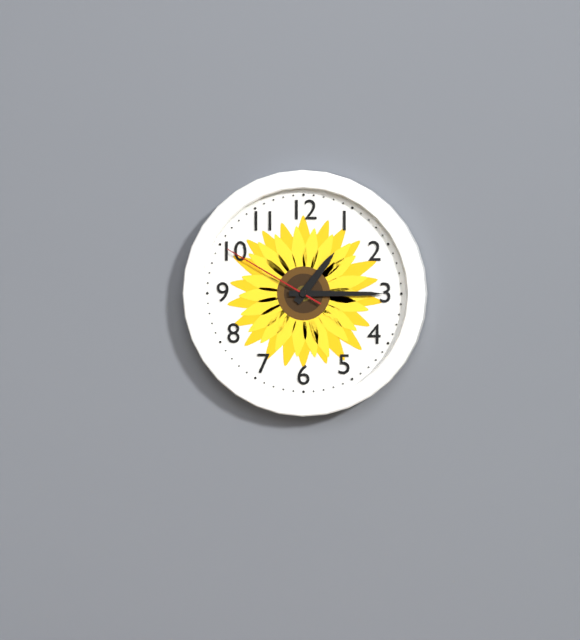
1.15.50
